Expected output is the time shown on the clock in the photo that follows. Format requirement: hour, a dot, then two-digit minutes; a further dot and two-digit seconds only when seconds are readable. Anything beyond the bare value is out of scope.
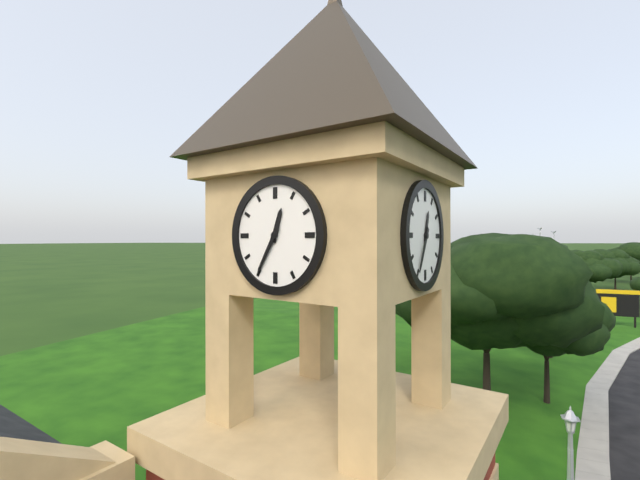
12.35
